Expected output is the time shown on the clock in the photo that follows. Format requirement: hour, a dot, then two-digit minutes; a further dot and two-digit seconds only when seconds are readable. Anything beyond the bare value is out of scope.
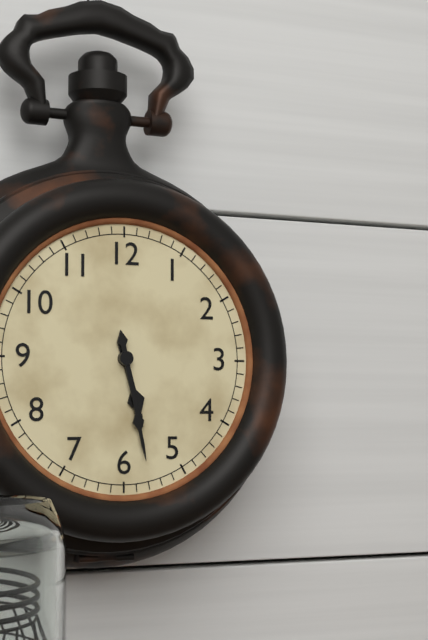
5.28
